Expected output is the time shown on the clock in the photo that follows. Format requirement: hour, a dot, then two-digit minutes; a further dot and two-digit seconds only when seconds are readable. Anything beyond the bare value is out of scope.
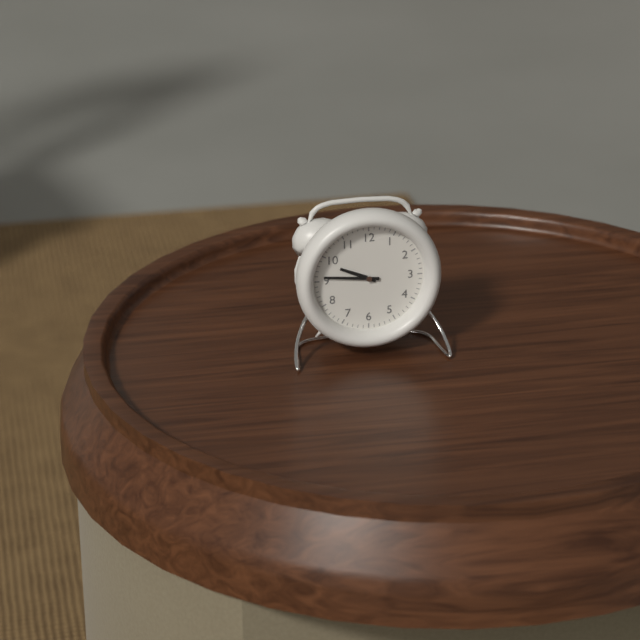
9.46
